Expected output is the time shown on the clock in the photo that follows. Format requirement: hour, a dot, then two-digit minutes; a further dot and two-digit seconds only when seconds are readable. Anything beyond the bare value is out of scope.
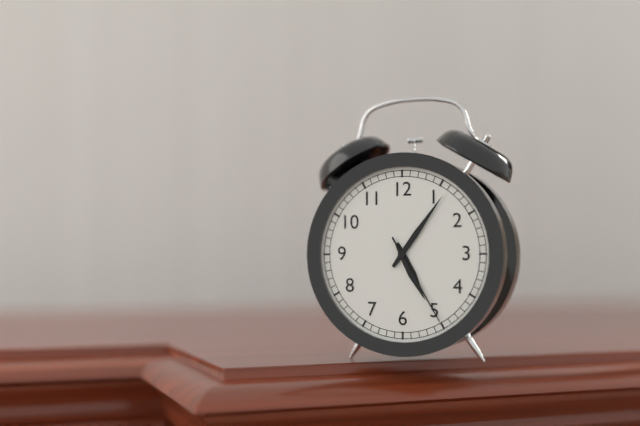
5.06.25
